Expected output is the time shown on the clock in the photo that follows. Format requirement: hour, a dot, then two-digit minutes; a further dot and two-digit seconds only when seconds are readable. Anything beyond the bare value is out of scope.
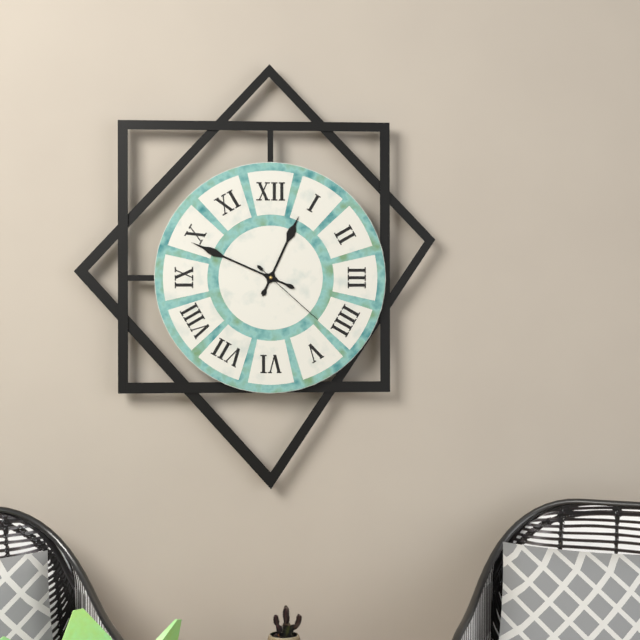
12.49.22
